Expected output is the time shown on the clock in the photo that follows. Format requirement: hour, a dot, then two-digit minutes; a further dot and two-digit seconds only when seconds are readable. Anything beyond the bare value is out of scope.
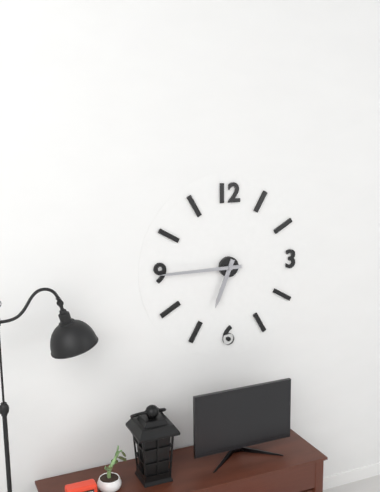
6.45
